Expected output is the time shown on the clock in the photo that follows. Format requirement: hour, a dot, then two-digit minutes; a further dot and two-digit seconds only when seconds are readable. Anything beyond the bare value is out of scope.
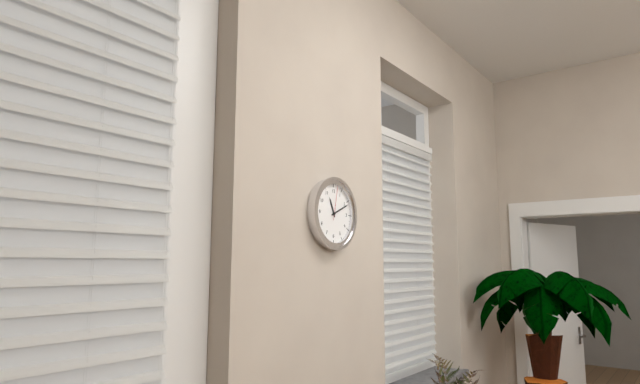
11.11
